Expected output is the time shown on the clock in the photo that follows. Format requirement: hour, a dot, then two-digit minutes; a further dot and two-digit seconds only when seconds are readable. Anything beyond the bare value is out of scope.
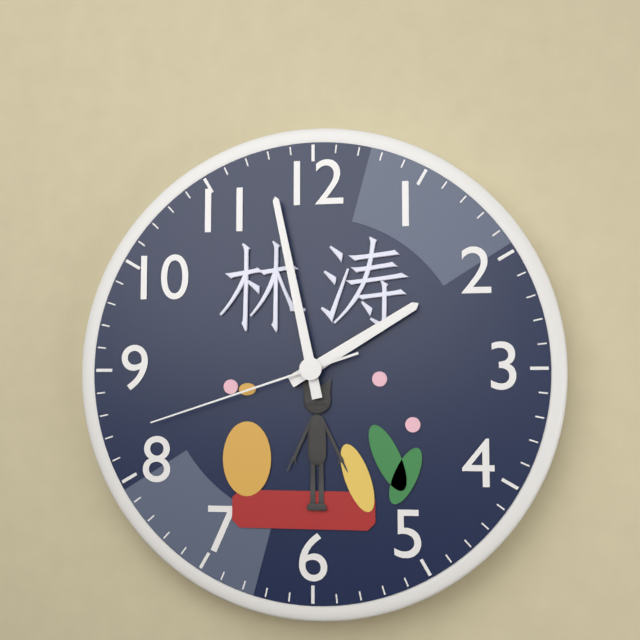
1.58.42
